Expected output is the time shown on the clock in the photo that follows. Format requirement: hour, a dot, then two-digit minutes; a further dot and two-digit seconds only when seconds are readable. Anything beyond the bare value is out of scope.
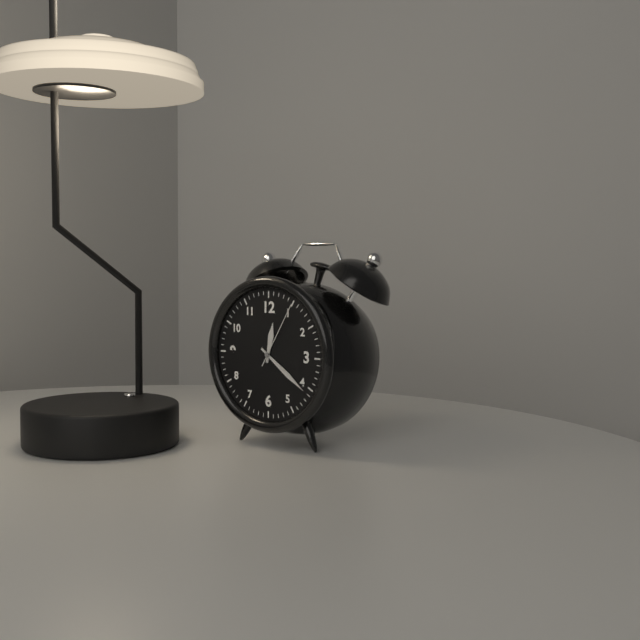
12.21.05
